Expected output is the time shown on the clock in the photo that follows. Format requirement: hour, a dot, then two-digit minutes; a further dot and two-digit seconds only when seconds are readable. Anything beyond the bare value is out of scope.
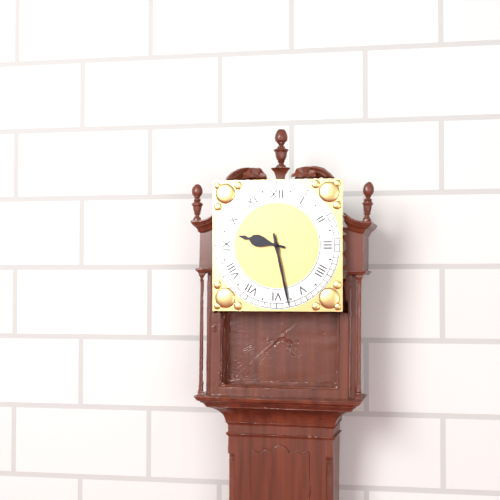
9.28
